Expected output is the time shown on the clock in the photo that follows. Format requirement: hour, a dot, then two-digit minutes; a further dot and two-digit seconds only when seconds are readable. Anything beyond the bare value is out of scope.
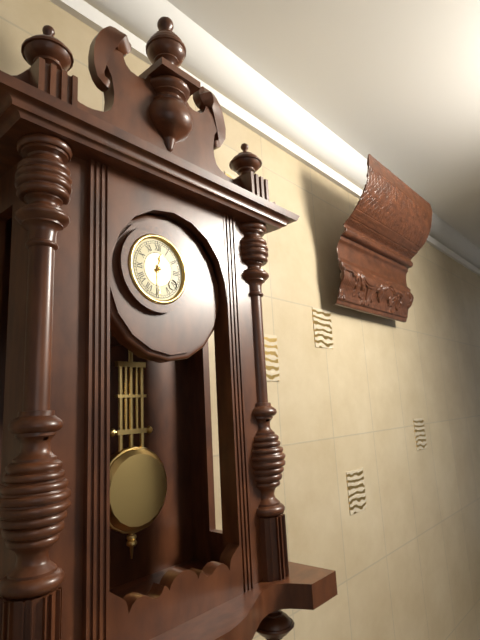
12.30
